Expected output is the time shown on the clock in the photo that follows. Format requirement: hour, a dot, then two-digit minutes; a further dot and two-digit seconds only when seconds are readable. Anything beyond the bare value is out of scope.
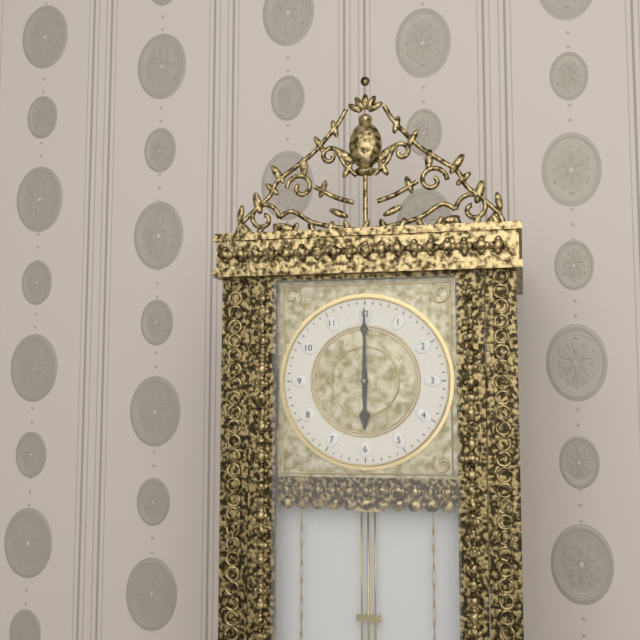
6.00
